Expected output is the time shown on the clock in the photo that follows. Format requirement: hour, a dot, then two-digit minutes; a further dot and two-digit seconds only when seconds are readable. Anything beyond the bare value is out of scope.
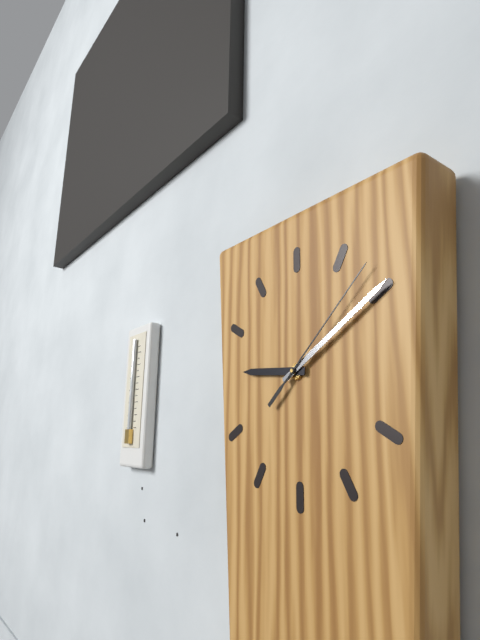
9.10.08
